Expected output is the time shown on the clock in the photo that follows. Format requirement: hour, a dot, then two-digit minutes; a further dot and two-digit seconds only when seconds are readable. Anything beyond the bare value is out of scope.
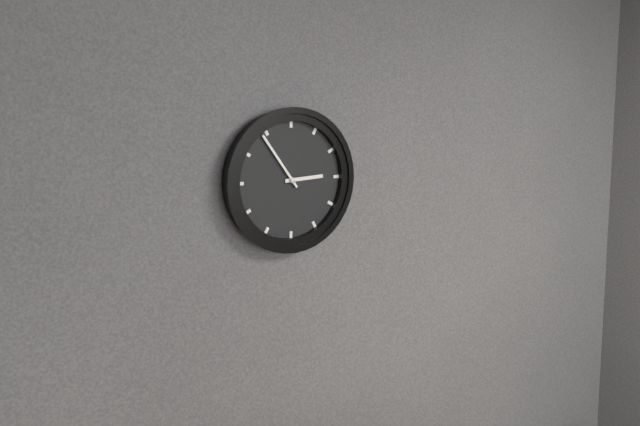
2.54
